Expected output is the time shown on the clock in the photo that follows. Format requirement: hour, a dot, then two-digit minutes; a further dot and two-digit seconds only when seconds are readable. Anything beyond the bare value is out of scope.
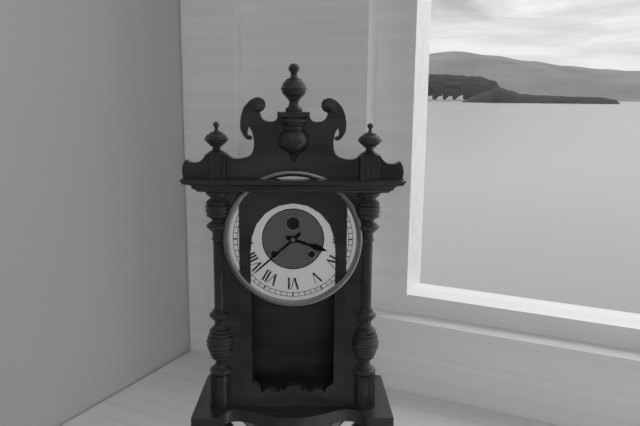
3.38
